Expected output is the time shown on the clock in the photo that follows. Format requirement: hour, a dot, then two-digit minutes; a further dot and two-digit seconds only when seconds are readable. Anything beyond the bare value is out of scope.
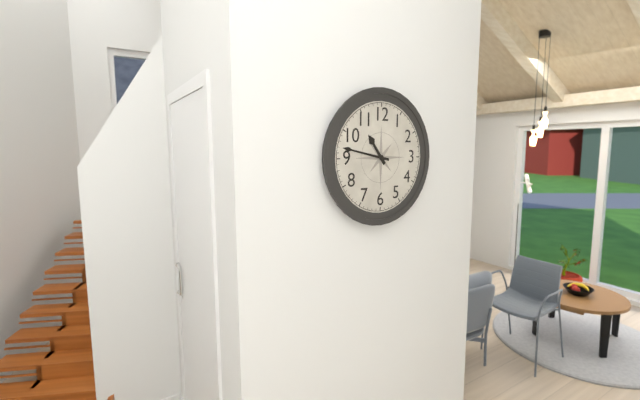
10.47
